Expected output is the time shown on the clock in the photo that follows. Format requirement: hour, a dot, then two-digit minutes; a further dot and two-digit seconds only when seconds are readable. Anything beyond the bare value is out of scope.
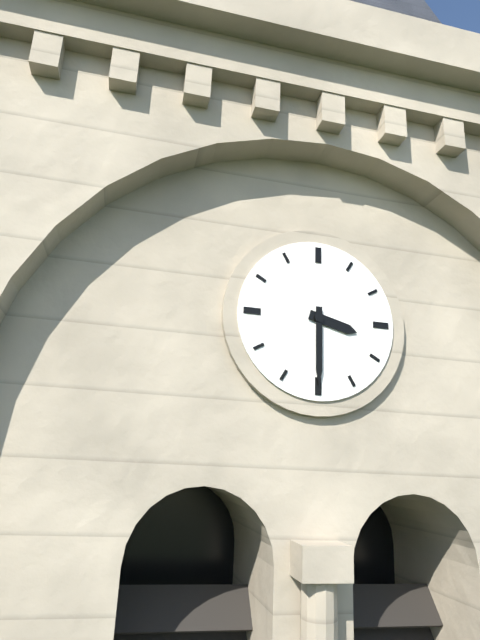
3.30
